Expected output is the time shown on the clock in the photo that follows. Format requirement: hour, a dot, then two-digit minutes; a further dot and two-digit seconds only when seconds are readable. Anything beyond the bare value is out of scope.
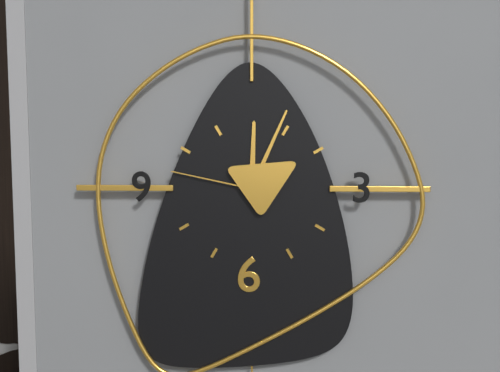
12.04.47
